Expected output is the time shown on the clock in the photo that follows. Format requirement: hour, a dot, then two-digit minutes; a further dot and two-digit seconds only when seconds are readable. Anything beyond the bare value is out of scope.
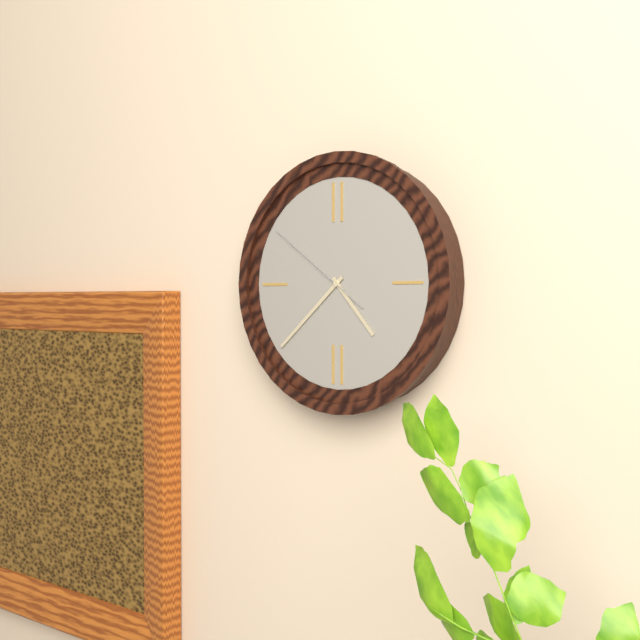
4.38.51
